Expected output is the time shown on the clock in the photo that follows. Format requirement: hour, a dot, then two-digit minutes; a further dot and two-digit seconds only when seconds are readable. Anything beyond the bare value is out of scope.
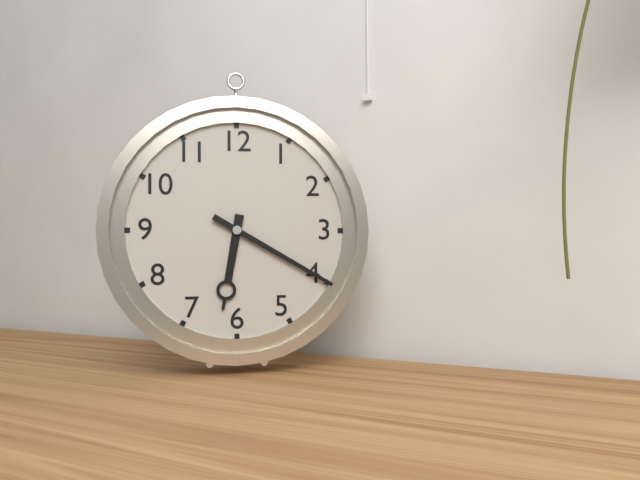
6.20
